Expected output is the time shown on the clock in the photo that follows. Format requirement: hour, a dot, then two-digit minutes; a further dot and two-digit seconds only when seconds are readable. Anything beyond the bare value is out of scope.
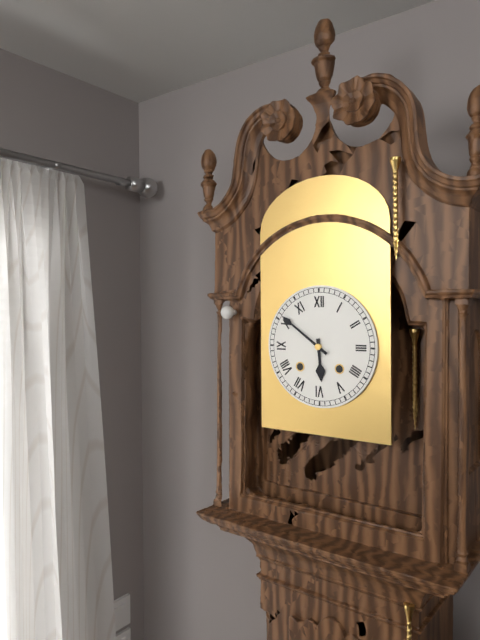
5.51
